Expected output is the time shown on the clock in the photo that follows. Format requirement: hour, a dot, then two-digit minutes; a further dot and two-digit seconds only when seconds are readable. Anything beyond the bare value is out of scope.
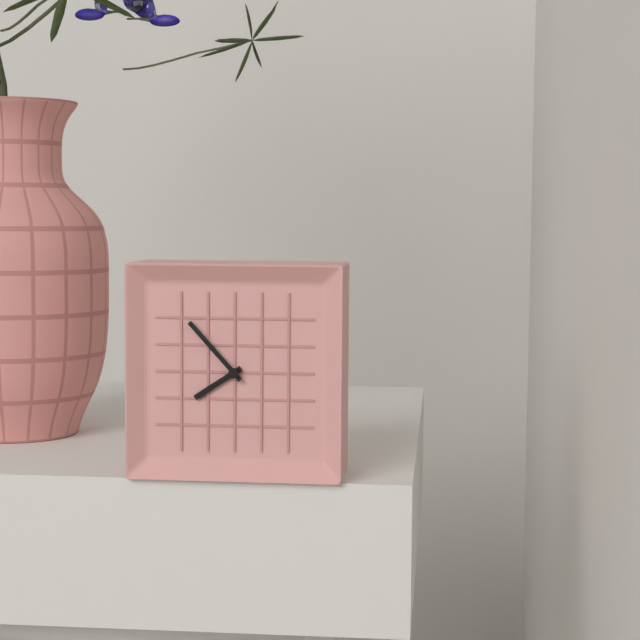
7.53
